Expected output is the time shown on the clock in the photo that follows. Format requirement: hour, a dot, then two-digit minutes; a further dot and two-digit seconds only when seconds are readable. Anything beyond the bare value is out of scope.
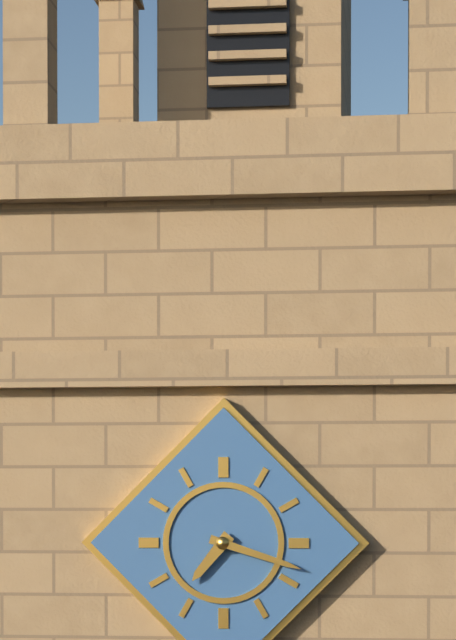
7.18
